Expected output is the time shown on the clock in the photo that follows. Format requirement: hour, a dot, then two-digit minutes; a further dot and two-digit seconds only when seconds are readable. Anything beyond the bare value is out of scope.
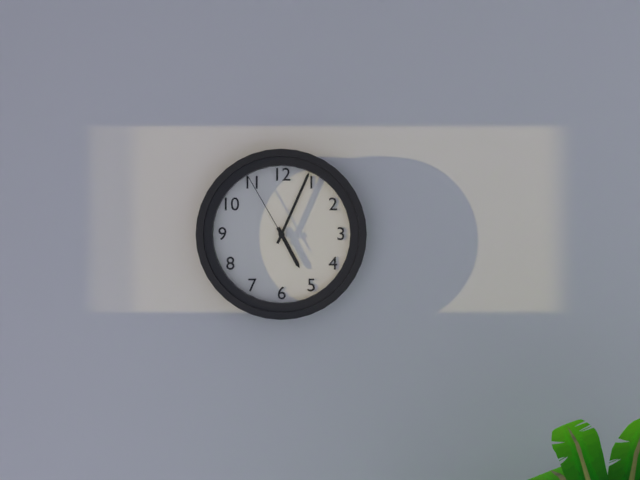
5.04.55
